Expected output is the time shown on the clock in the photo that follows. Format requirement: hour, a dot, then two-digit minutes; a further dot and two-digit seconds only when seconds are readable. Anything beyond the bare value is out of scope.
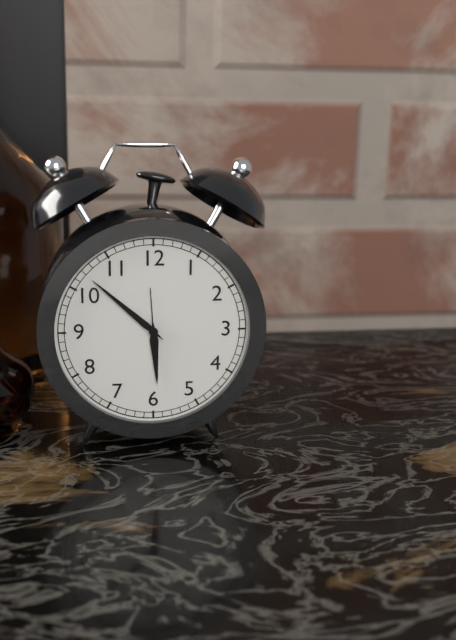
5.52
